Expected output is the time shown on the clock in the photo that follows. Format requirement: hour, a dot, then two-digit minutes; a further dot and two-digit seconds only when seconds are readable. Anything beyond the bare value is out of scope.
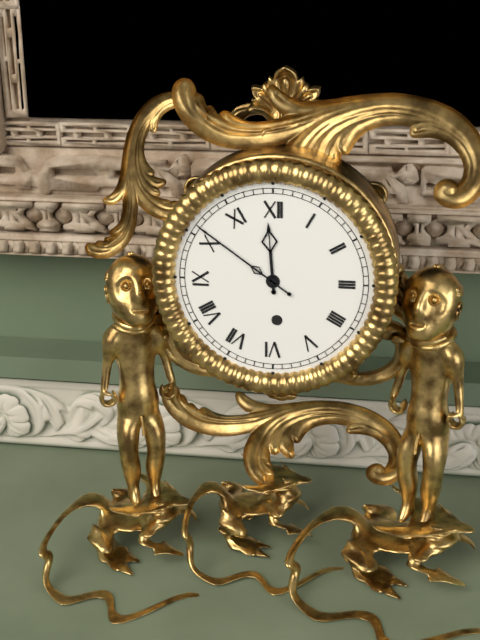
11.51
